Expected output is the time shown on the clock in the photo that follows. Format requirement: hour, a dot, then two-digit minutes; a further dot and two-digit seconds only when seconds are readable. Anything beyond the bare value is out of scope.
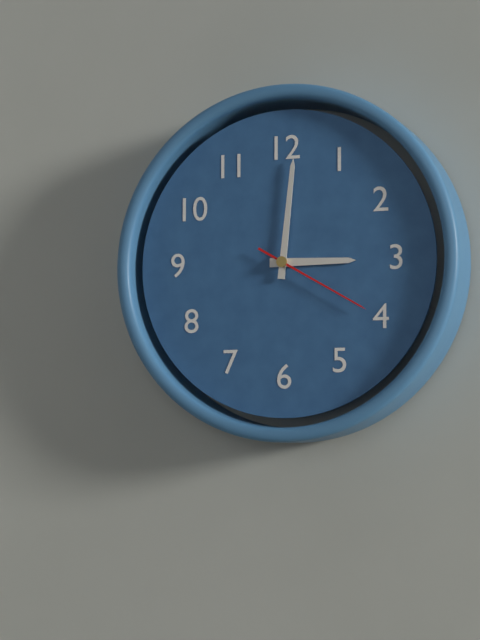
3.01.20
